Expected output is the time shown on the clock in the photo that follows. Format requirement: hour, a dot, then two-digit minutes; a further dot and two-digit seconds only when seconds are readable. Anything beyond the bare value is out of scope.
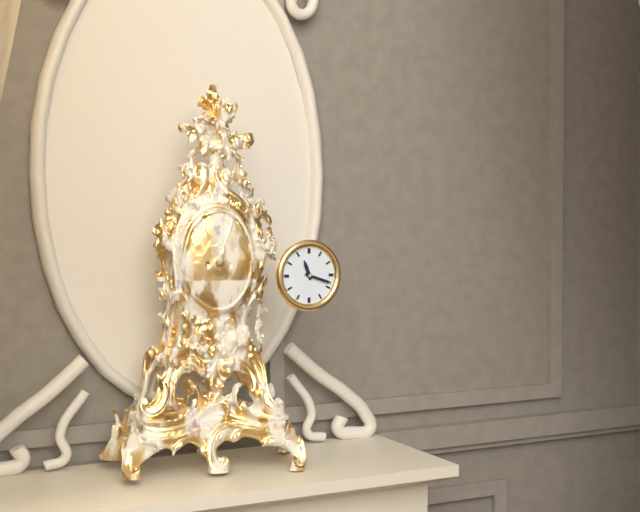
11.18
